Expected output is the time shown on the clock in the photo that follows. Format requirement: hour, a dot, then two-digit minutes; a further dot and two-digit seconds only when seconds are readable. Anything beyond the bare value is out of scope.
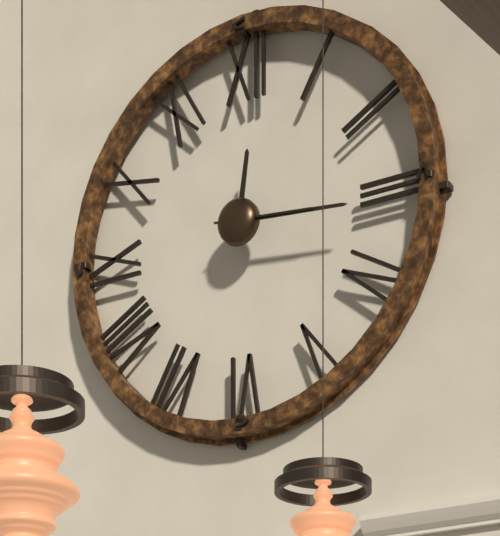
12.16.16
